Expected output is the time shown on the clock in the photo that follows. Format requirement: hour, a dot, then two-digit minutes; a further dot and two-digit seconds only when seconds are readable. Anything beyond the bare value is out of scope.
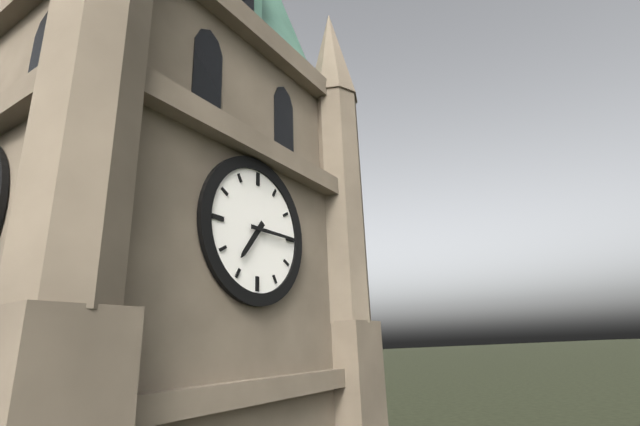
7.15
